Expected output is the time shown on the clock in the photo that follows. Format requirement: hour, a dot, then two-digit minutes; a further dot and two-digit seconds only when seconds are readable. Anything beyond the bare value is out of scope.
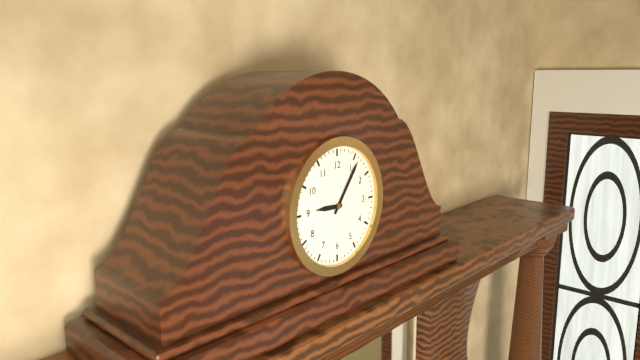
9.06
